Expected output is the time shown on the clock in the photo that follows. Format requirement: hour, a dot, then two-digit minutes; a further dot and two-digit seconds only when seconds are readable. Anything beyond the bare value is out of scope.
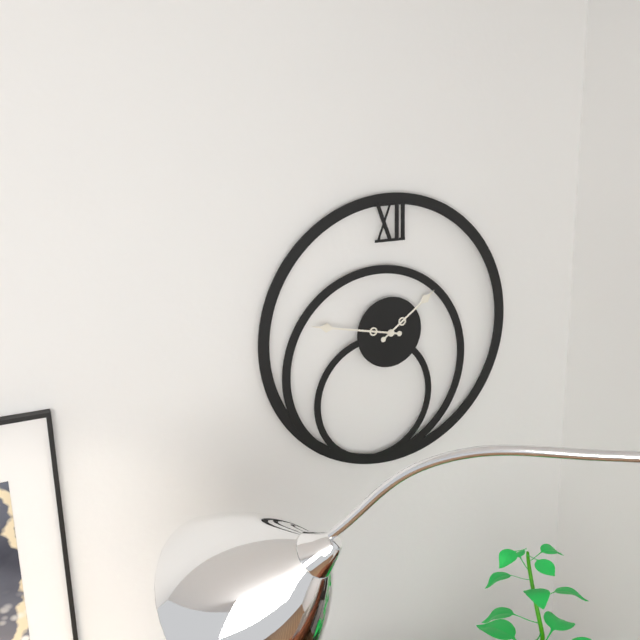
1.47
